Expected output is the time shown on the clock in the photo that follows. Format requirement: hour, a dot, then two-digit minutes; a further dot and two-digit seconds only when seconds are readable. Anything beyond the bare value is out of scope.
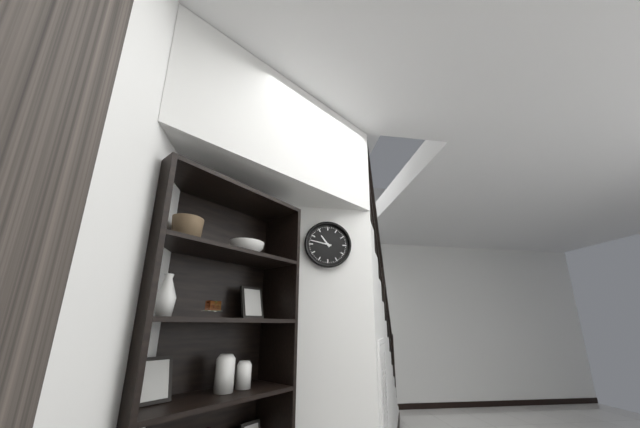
10.47
